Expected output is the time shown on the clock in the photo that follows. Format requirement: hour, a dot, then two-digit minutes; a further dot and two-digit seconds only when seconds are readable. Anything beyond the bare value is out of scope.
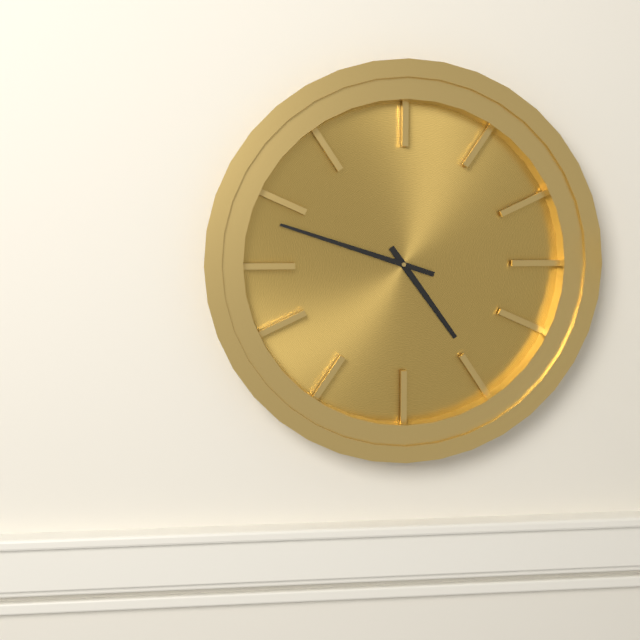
4.48
